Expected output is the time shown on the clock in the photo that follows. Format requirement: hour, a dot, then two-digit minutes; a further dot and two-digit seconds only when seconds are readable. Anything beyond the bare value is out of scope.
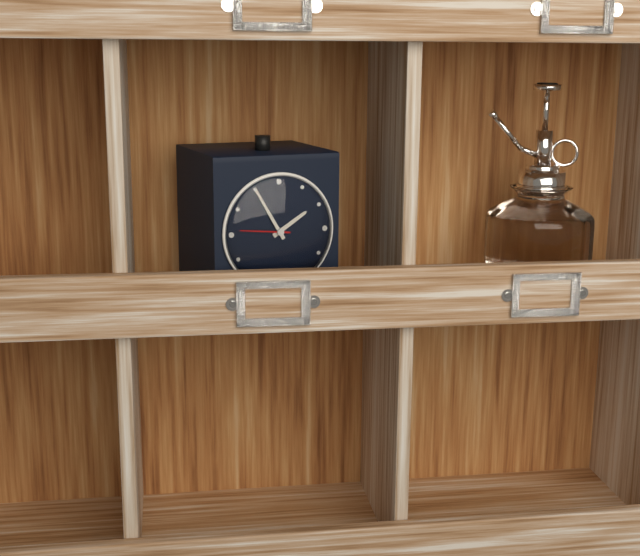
1.55
